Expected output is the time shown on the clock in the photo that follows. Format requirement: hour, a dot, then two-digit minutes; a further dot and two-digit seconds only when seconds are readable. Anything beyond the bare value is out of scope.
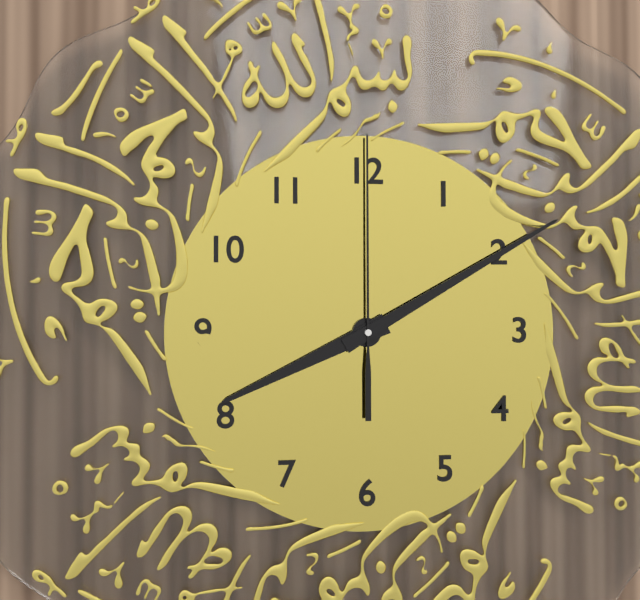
8.10.00
